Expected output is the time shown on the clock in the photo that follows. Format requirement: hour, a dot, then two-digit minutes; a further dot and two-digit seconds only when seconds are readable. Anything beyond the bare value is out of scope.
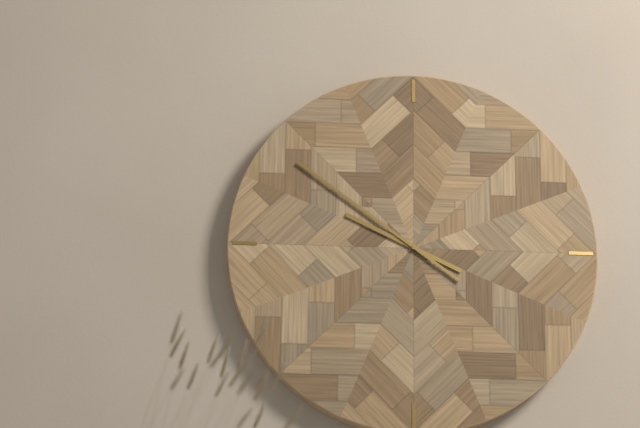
9.51
